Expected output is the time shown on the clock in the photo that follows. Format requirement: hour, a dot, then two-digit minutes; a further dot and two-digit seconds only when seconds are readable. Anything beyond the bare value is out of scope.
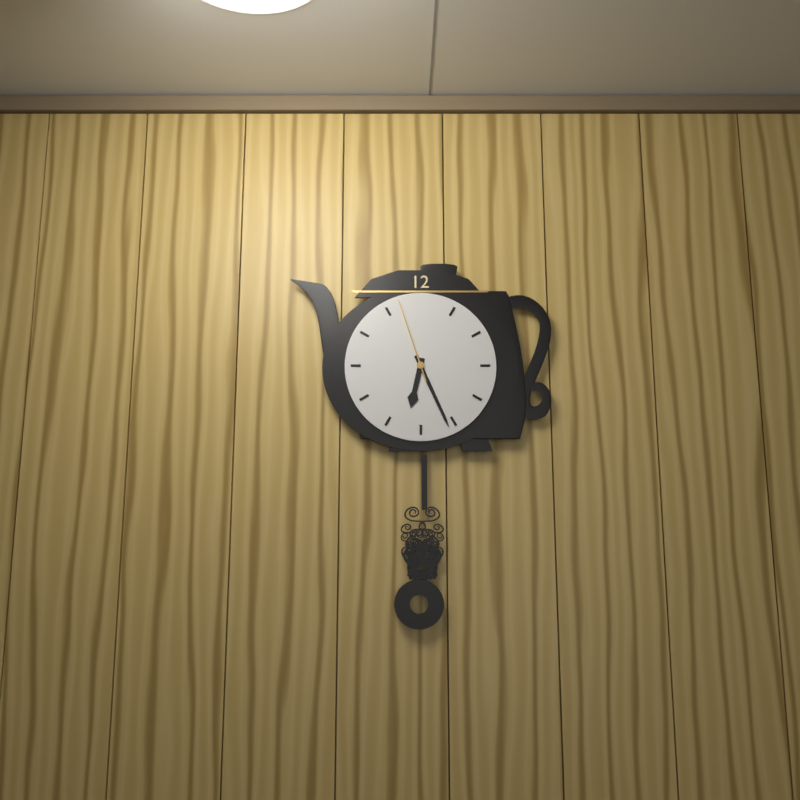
6.26.57
